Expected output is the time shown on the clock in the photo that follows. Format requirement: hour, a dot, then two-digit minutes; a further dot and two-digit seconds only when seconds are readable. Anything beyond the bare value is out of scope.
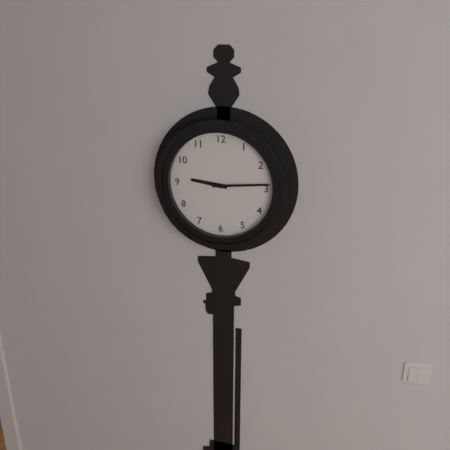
9.14
